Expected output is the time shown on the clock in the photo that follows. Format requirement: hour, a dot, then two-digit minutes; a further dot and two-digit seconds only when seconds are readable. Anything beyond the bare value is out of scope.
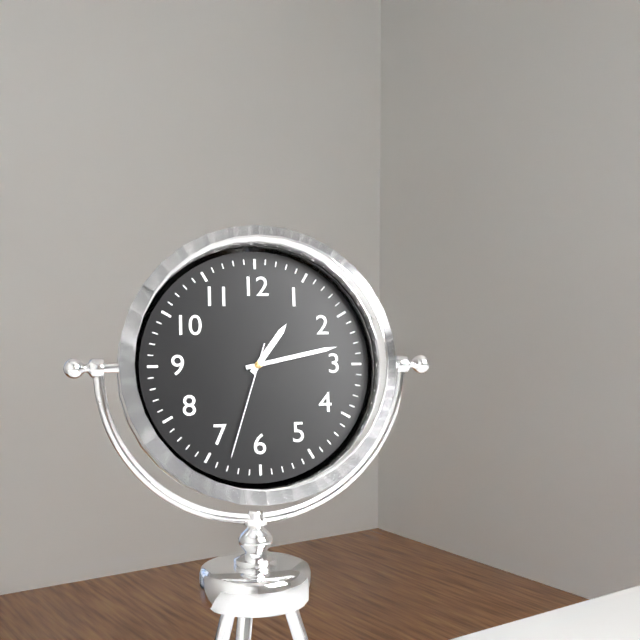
1.13.33
